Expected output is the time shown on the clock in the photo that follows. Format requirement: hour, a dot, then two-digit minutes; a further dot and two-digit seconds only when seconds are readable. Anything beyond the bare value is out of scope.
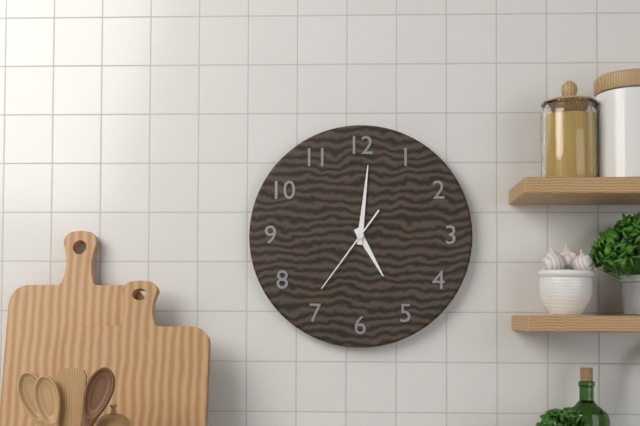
5.01.36
